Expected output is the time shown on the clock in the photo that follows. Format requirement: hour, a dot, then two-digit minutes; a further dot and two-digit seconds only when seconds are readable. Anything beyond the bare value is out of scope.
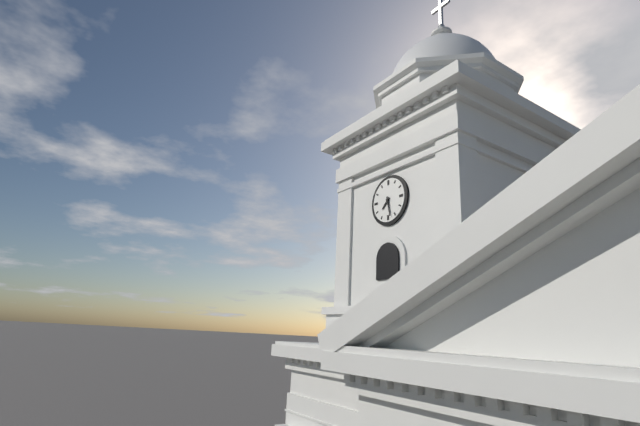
7.28
